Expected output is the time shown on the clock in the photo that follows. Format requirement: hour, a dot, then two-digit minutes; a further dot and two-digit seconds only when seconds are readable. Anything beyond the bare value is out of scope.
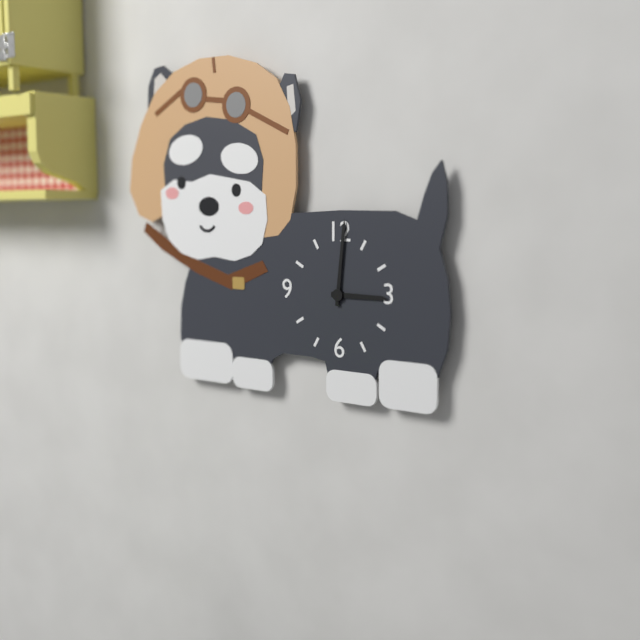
3.01
